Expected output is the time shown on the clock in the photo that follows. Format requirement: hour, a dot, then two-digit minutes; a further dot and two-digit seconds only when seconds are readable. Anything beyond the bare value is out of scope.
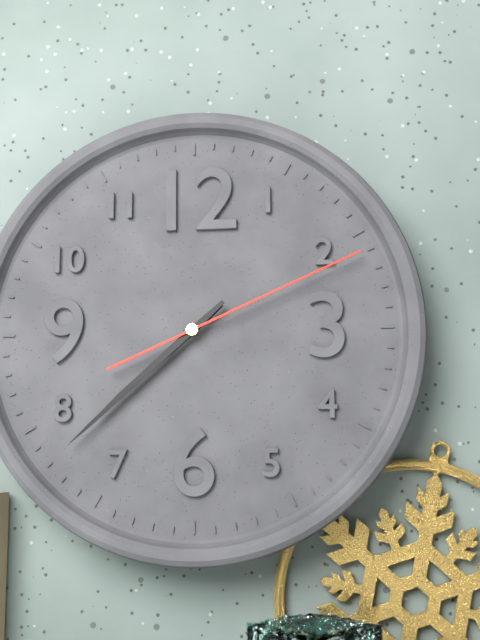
7.38.11
